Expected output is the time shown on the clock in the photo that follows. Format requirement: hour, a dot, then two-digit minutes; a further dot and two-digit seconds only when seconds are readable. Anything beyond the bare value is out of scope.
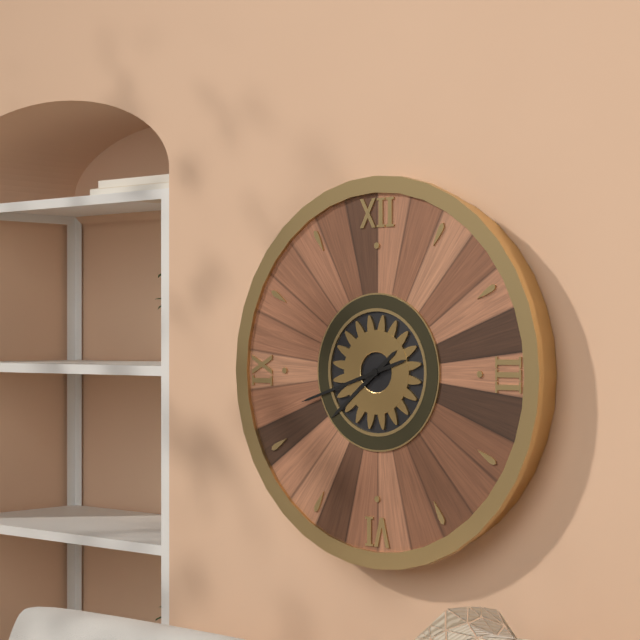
7.42
